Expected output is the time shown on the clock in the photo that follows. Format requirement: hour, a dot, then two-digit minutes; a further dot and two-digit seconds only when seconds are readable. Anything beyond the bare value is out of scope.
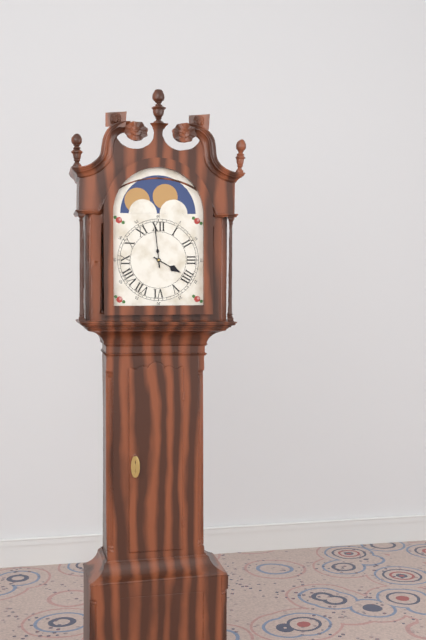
3.59
